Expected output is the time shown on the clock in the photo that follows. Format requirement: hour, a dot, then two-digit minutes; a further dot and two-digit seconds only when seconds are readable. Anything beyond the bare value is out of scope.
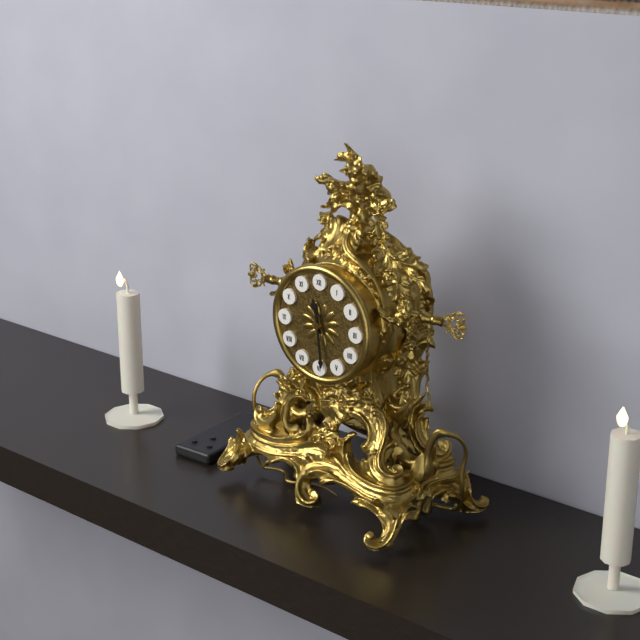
11.29
